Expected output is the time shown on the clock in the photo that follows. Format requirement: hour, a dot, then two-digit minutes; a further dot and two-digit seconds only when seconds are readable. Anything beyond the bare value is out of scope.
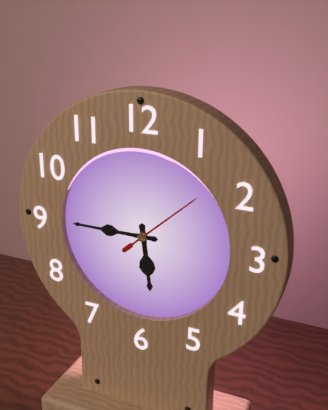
5.45.08
